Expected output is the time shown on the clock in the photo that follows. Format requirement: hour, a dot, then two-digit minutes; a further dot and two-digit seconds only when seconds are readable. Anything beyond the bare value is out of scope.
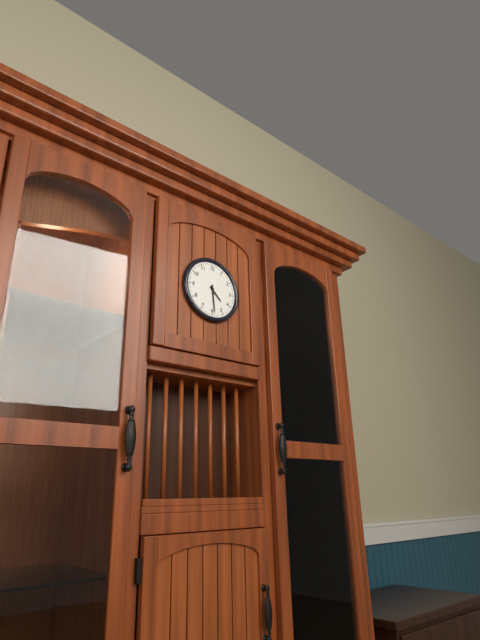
4.29
